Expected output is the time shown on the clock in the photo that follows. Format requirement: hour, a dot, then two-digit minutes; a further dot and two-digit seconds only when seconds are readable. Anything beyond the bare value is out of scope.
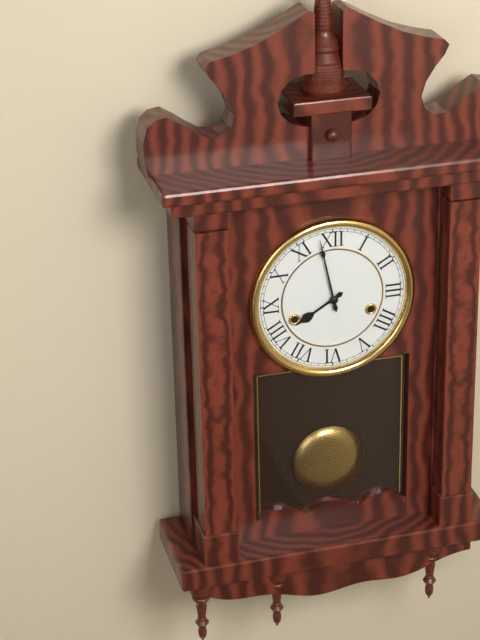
7.58
